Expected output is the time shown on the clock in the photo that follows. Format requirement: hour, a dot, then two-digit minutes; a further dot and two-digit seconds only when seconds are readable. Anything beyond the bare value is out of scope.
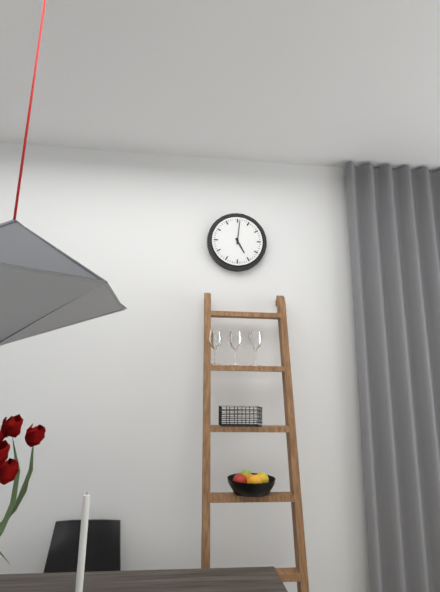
5.01
